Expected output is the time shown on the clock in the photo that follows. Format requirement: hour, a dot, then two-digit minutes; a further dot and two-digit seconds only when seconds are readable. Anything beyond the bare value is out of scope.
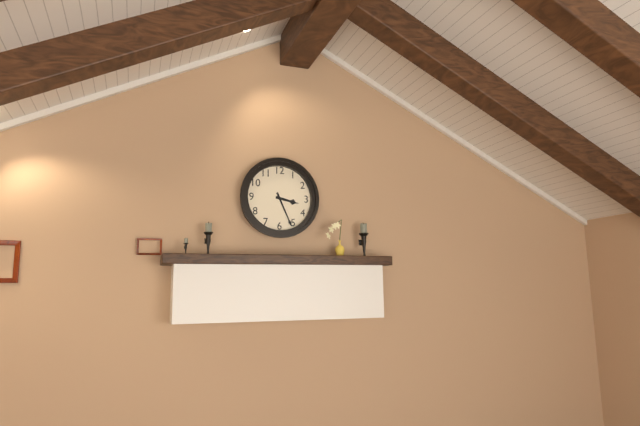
3.26
